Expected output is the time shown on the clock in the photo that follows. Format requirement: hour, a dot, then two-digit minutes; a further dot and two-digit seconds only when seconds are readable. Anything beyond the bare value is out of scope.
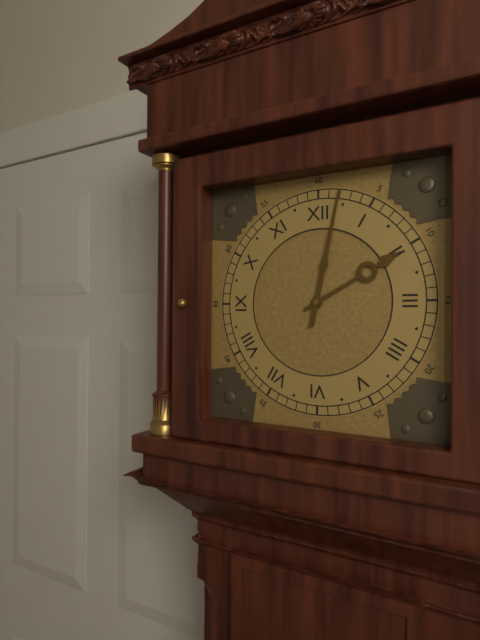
2.02
